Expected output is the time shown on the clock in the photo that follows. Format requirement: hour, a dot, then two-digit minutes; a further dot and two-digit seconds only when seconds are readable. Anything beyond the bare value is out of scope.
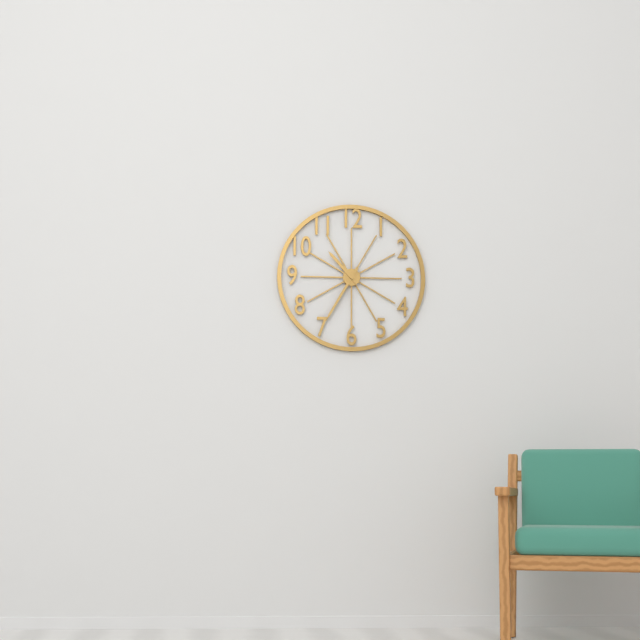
10.35
